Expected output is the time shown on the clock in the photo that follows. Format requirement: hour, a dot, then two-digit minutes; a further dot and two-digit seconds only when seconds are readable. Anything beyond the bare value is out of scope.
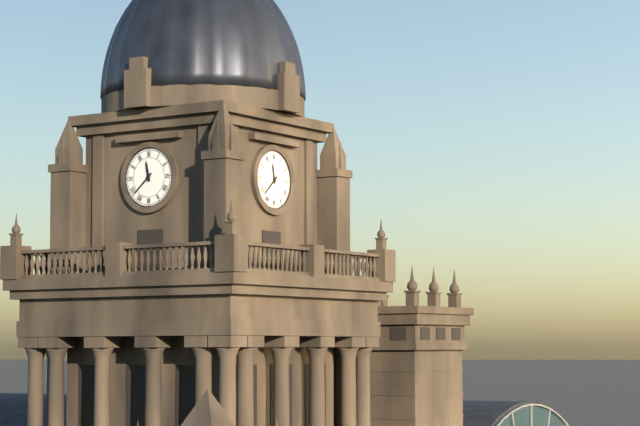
11.38
